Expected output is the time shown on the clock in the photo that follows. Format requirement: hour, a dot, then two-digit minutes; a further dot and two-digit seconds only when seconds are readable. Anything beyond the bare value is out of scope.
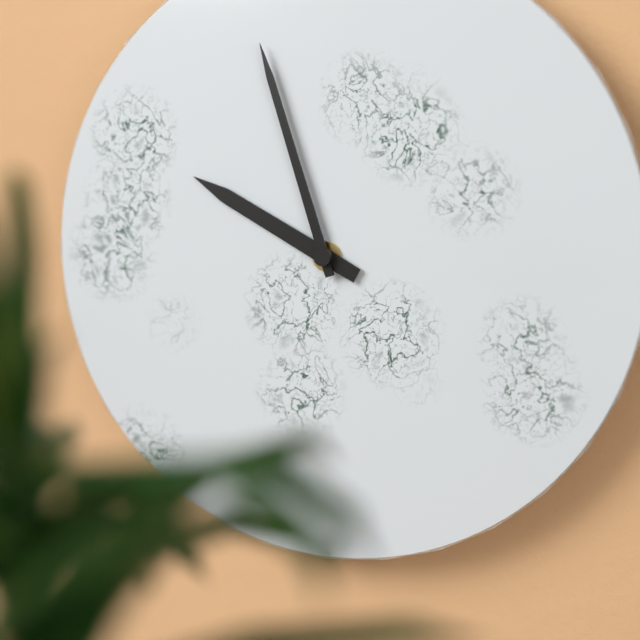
9.57
